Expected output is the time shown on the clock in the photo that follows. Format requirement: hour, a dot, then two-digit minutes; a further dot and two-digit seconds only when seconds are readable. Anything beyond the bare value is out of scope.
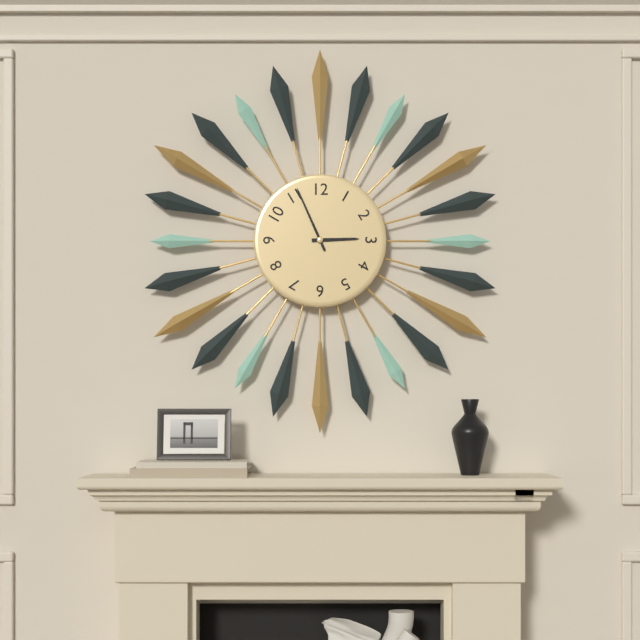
2.56
